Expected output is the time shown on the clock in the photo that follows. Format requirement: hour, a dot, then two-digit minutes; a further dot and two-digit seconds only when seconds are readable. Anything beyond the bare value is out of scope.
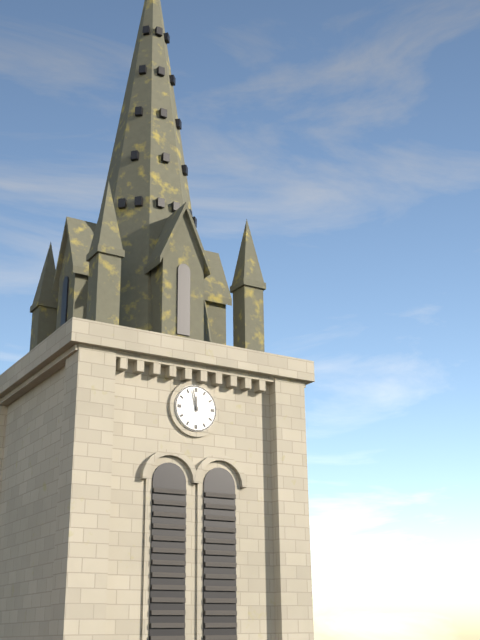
11.58
